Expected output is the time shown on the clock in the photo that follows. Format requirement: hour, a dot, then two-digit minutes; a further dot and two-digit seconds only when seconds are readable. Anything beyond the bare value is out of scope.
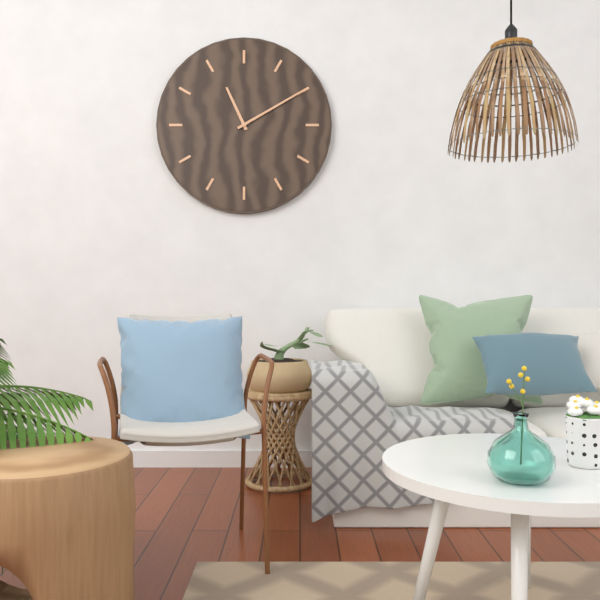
11.10
